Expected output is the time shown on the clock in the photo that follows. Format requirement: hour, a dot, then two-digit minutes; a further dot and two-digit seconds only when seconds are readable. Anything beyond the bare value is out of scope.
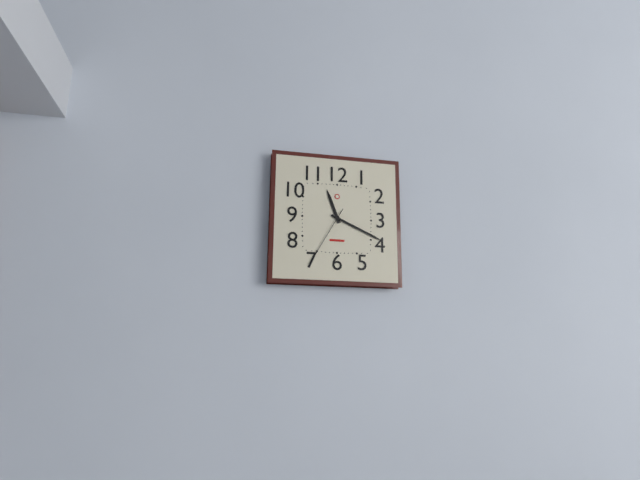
11.19.35
